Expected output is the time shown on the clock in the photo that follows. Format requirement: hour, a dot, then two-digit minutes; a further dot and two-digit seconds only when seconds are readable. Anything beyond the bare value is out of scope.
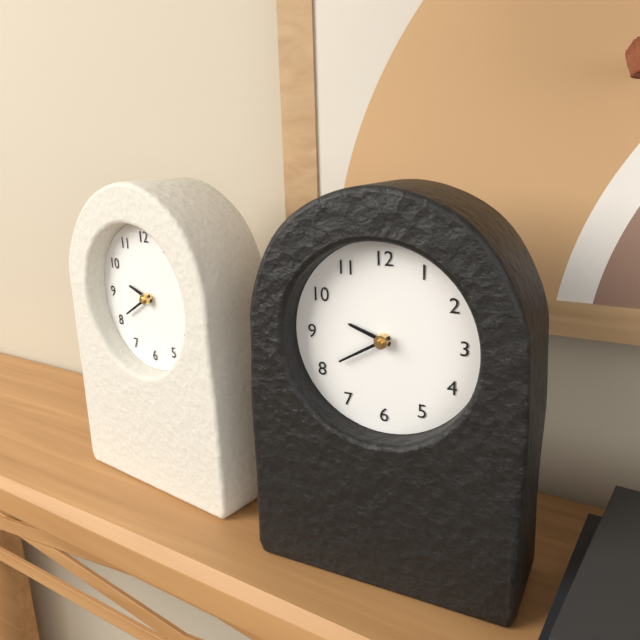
9.40
